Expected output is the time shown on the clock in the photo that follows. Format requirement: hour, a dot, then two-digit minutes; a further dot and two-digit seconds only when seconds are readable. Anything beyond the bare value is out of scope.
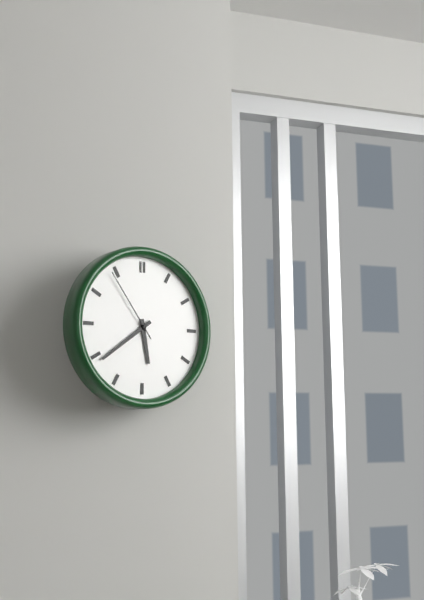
5.39.54
